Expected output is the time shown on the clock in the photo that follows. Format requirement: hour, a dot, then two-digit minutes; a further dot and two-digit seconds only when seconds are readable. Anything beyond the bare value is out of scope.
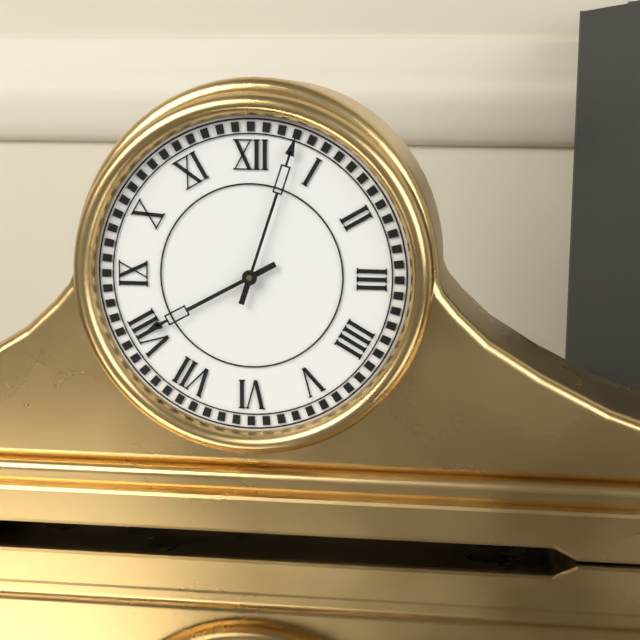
8.03
